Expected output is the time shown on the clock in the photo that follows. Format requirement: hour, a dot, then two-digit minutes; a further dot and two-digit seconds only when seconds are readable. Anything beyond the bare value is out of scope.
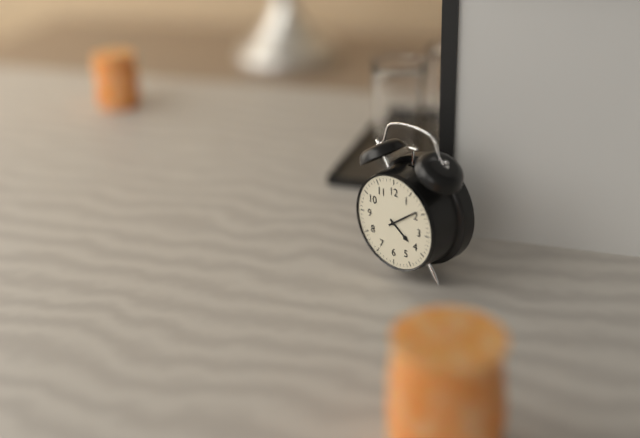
4.09
